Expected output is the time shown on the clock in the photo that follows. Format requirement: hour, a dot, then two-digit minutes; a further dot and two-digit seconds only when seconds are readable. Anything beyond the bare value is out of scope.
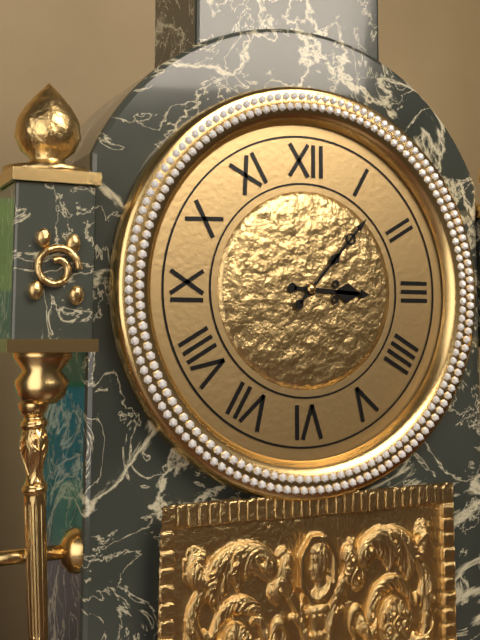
3.07
